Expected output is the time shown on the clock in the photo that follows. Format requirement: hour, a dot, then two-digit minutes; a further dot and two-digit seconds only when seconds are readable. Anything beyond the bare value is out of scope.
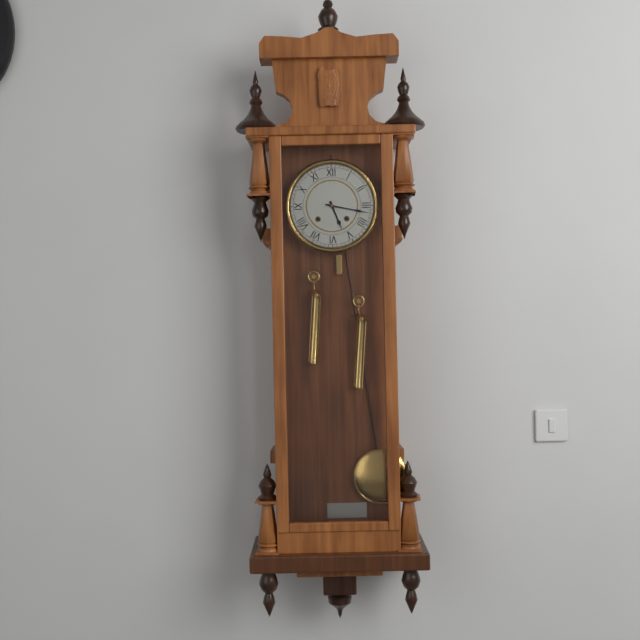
5.17
